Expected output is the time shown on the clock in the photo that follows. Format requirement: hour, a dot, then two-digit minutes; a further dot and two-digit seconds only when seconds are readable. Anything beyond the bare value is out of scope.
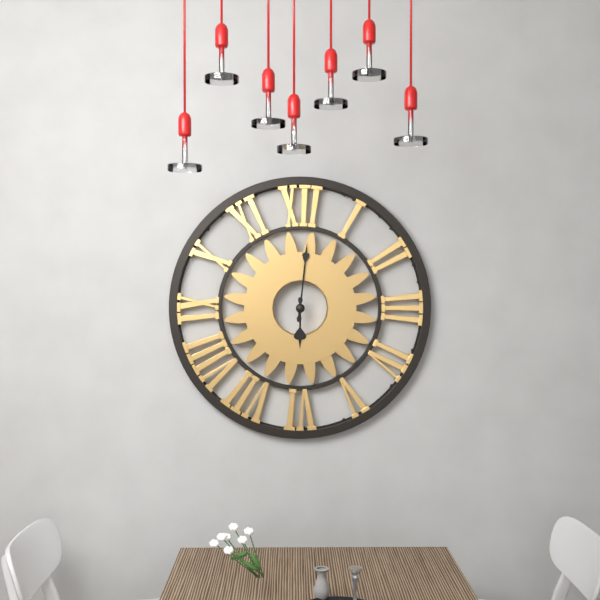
6.01
